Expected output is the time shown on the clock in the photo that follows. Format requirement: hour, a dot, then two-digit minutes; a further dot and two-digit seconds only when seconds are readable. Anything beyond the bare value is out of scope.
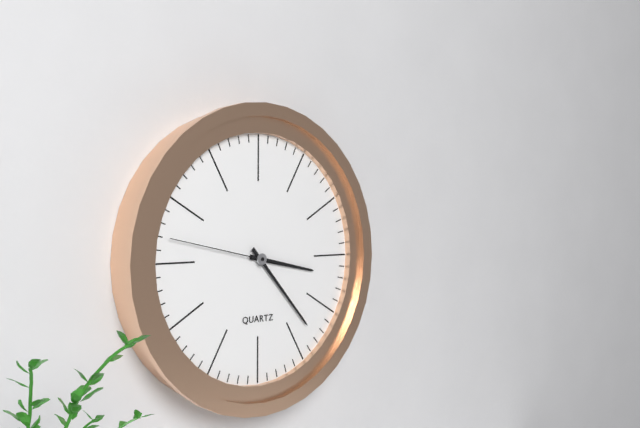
3.23.47
